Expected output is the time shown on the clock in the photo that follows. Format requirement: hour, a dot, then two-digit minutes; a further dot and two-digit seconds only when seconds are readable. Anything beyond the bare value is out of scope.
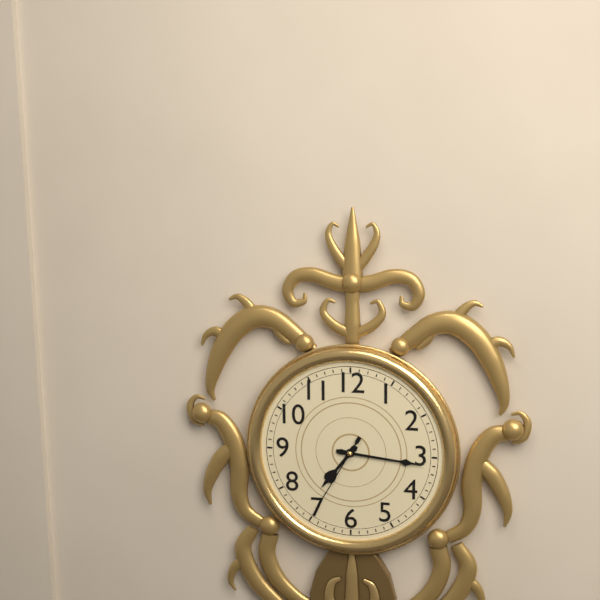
7.16.35
